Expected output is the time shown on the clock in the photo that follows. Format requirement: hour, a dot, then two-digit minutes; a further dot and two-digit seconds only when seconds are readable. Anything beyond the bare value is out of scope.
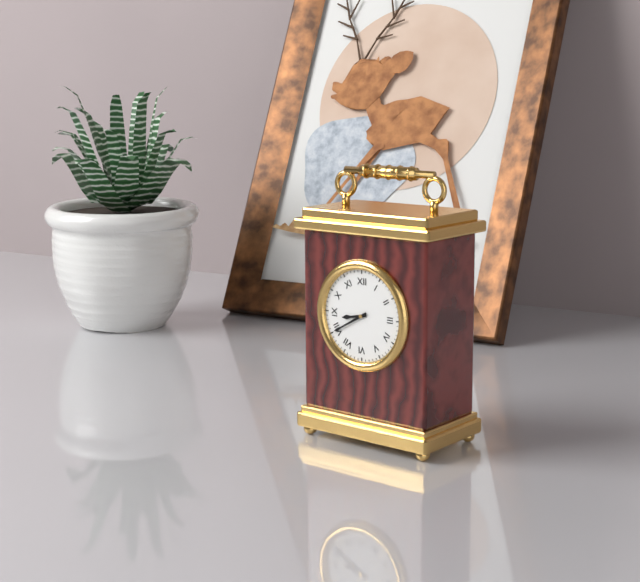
8.40
